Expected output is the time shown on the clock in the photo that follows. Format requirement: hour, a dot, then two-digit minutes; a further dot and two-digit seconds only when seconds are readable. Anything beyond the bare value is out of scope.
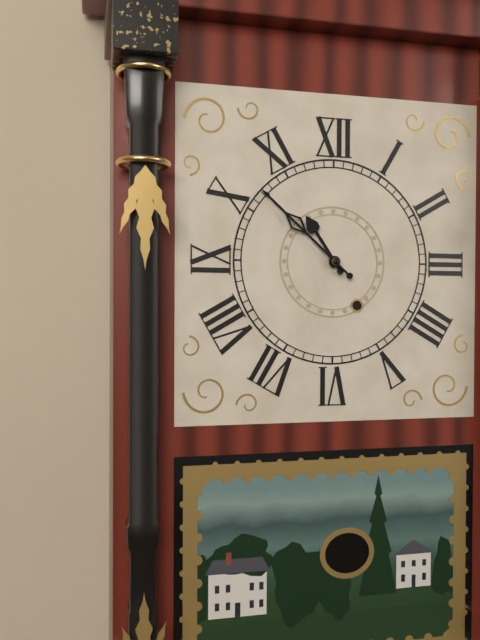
10.52
